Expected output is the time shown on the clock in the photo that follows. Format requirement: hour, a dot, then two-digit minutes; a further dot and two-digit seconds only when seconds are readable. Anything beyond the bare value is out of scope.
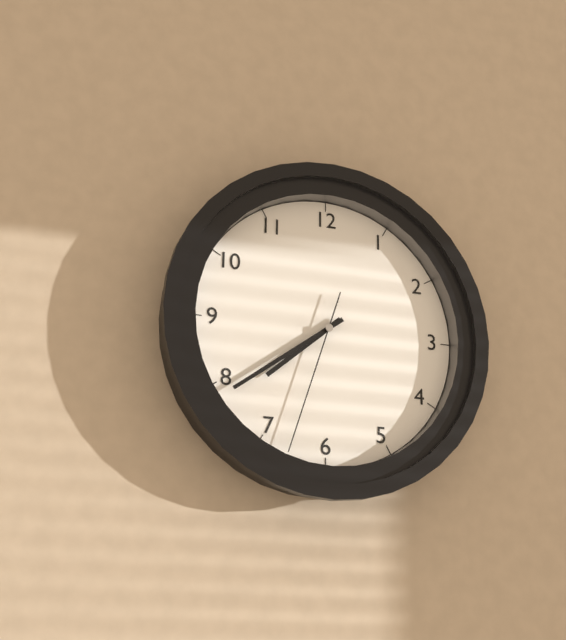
7.39.33
